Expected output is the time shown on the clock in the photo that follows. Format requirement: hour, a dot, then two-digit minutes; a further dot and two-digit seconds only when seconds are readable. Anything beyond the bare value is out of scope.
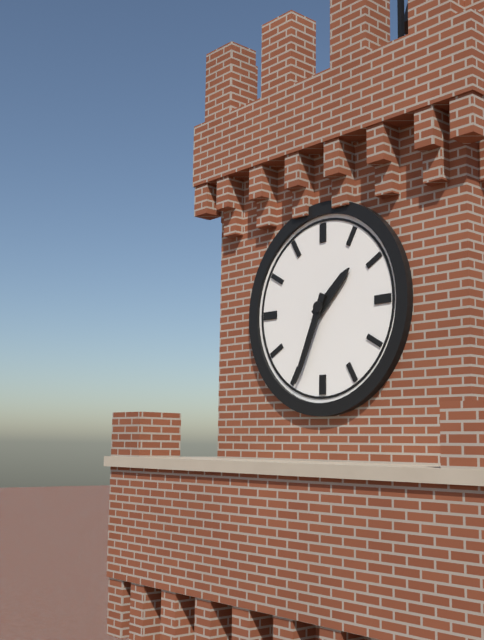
1.34
